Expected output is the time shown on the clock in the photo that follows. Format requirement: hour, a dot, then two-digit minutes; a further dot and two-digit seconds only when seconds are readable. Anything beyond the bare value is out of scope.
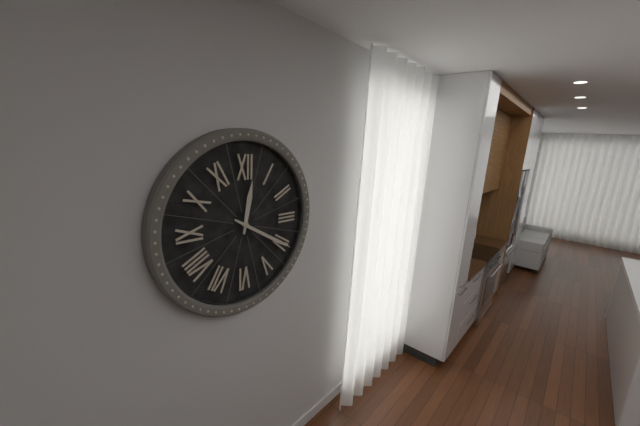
12.20
